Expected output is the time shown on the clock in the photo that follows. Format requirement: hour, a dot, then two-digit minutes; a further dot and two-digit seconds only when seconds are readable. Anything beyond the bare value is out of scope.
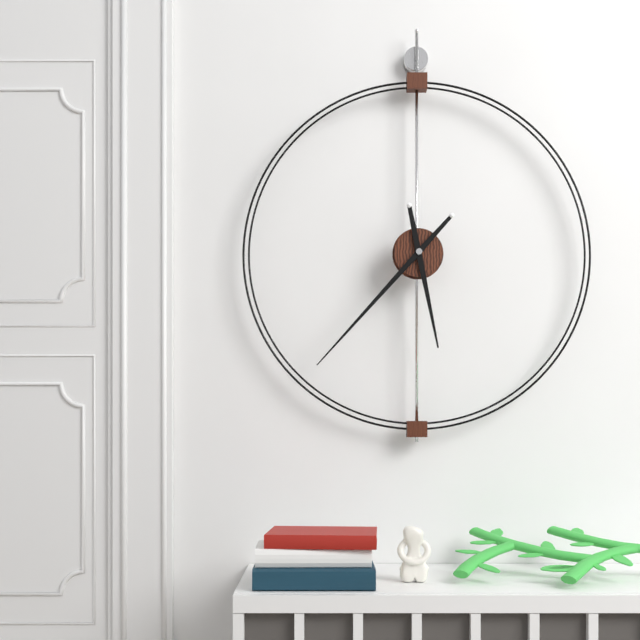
5.37
